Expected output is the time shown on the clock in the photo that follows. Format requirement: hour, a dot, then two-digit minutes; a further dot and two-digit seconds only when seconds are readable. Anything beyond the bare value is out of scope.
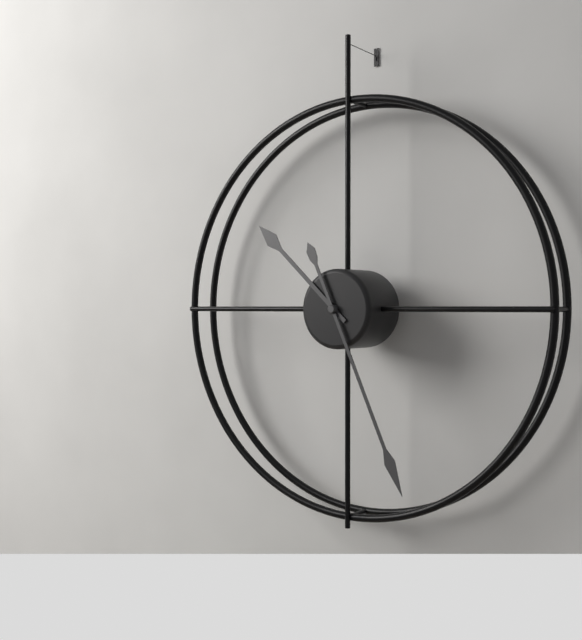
10.26
